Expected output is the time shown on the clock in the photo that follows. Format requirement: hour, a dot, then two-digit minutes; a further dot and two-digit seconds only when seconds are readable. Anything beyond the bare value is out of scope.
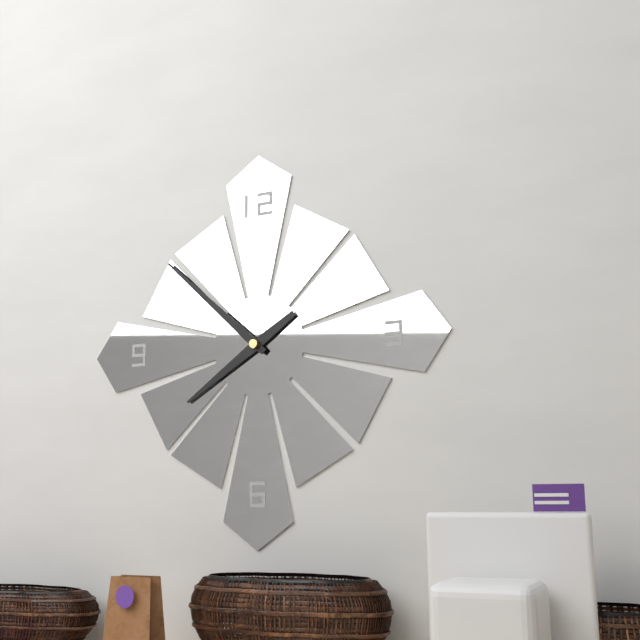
7.52
